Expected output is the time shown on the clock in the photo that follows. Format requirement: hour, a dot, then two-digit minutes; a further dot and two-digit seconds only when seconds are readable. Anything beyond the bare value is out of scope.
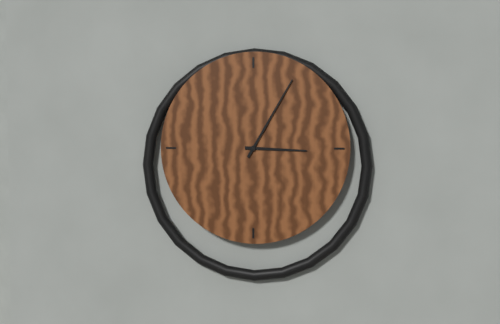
3.05
